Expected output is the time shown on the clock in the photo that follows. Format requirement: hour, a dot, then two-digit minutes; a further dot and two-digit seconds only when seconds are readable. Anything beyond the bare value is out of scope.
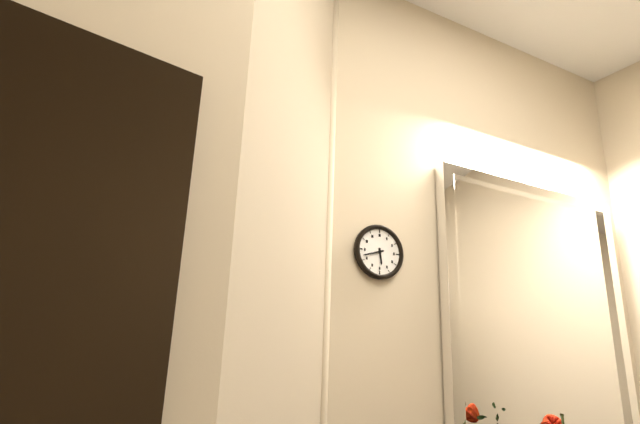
5.42
